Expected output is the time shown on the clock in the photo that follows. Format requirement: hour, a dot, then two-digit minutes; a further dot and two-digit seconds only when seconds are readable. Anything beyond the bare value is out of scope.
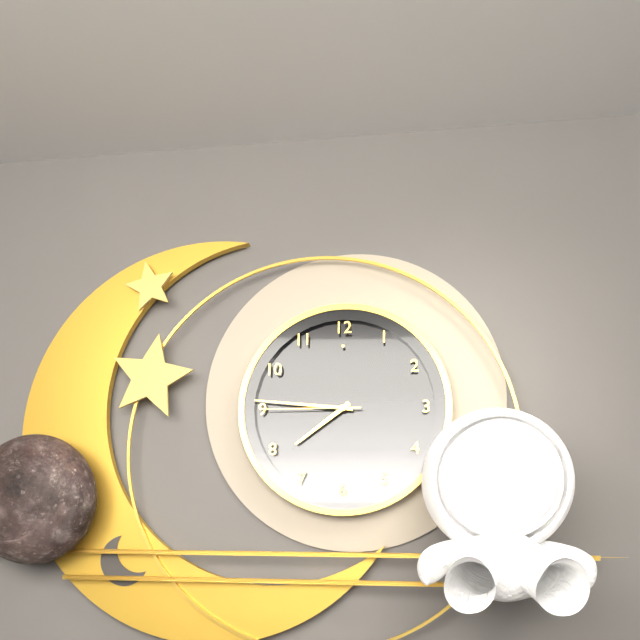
7.46.45
